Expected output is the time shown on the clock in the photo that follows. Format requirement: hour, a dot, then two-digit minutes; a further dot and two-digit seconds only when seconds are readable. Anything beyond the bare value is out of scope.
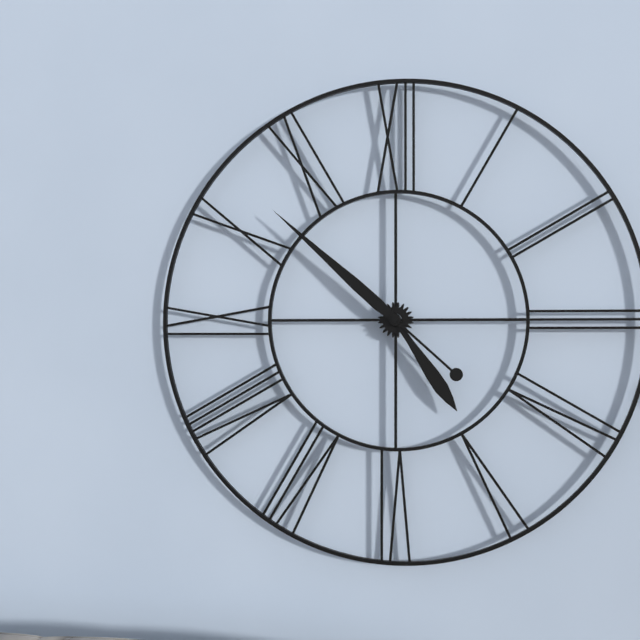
4.52
